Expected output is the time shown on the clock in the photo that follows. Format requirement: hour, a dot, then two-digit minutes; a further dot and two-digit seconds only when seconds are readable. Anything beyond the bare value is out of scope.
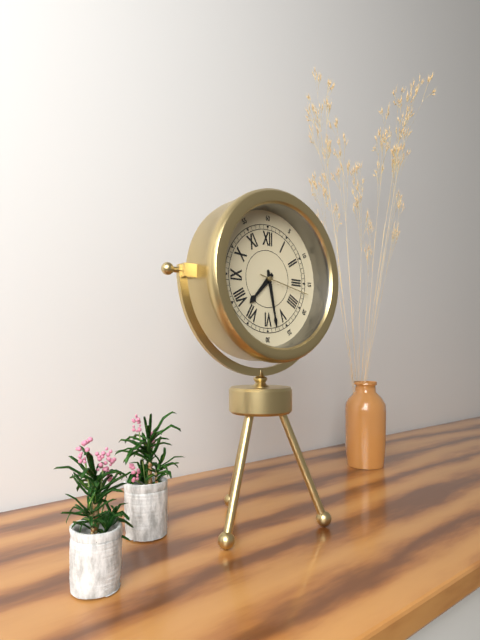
7.28.17
